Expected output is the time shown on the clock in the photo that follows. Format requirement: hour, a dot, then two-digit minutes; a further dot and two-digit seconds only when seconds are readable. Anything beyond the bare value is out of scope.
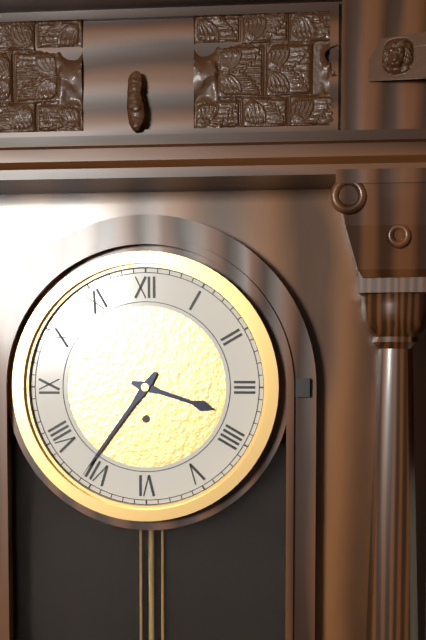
3.36
